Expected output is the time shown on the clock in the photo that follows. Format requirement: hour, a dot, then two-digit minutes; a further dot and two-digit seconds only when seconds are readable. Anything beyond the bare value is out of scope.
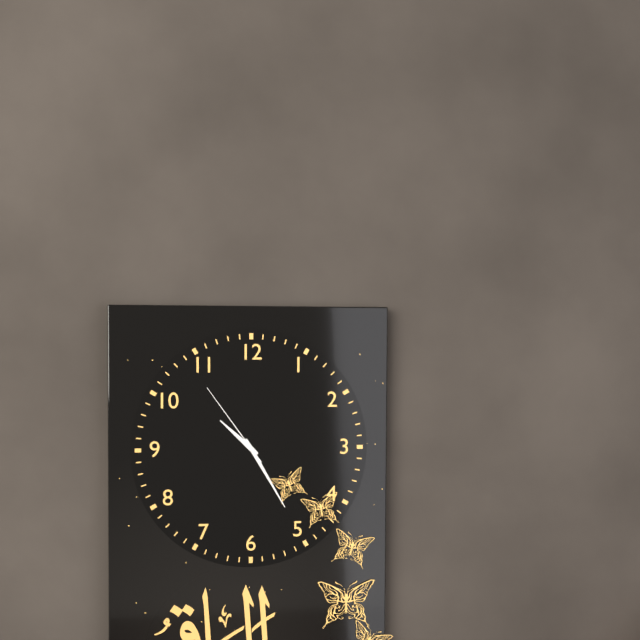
10.25.54
